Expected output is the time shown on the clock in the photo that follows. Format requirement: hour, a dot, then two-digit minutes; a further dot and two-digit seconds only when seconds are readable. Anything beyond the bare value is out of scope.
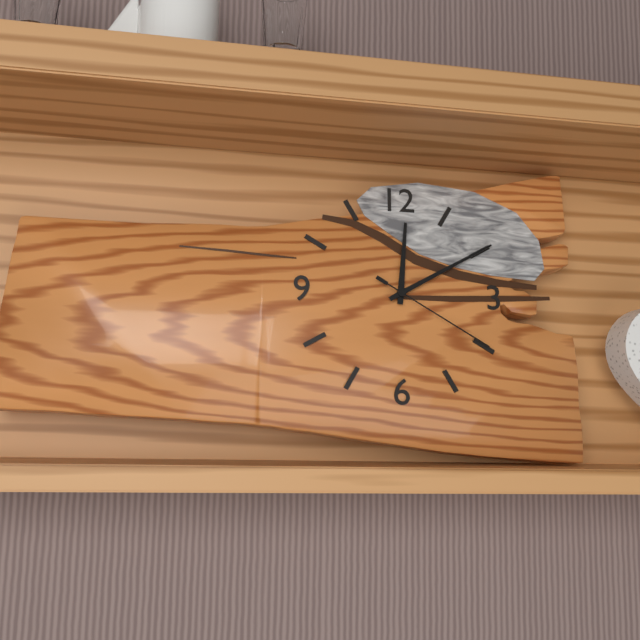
12.10.20
